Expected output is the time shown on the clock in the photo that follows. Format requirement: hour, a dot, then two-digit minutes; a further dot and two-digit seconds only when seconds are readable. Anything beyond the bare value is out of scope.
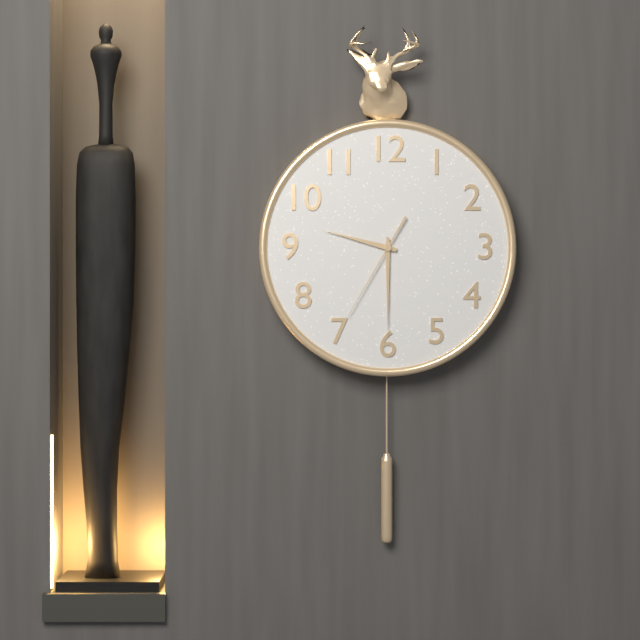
9.30.35
